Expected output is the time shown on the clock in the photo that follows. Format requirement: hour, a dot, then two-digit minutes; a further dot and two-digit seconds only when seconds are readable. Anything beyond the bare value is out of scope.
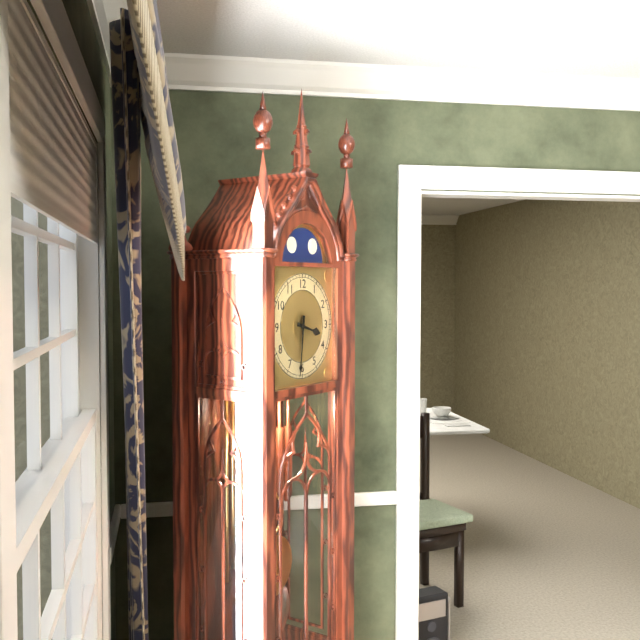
3.31
